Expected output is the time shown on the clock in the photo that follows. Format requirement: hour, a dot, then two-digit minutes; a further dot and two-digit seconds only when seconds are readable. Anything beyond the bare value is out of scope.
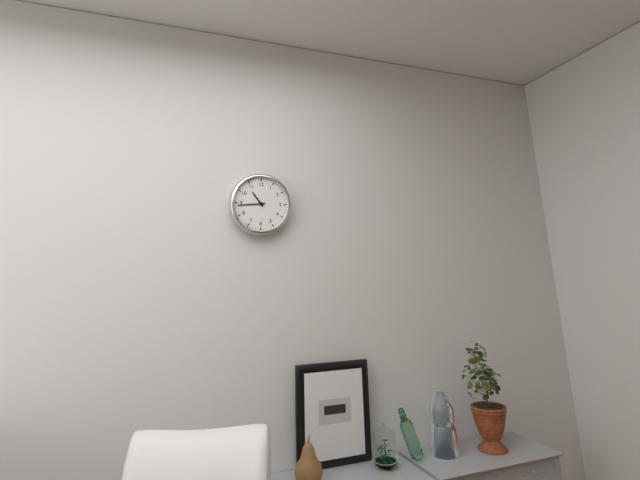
10.44
